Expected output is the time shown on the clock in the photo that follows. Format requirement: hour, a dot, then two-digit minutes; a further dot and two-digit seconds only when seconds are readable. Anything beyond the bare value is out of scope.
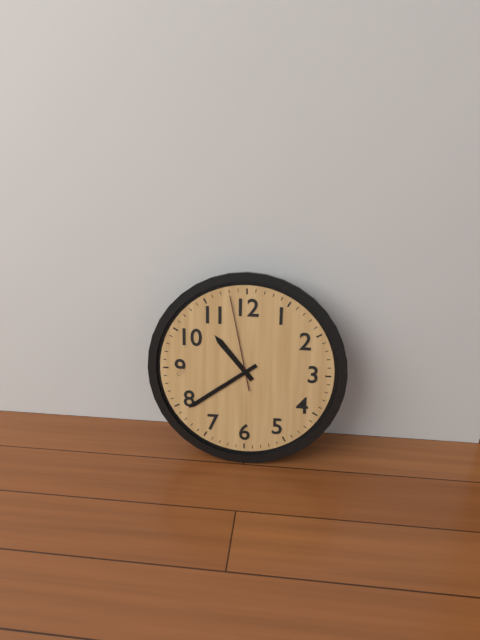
10.39.58
